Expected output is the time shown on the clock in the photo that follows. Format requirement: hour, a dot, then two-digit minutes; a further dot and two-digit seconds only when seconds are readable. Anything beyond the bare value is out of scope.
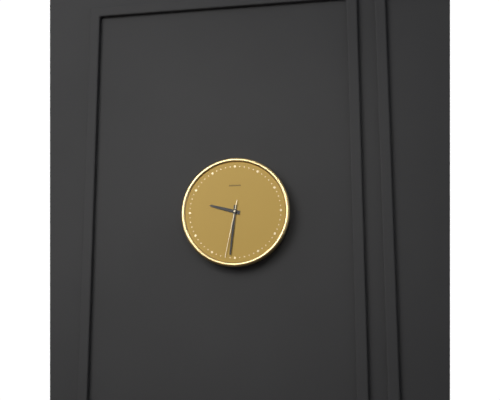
9.31.32
